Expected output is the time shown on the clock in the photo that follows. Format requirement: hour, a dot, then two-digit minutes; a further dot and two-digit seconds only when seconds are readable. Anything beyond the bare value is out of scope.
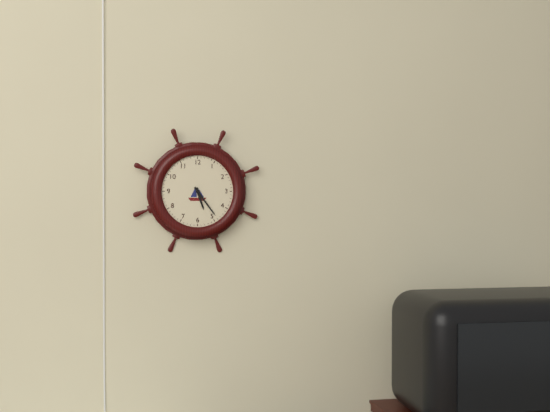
5.24
